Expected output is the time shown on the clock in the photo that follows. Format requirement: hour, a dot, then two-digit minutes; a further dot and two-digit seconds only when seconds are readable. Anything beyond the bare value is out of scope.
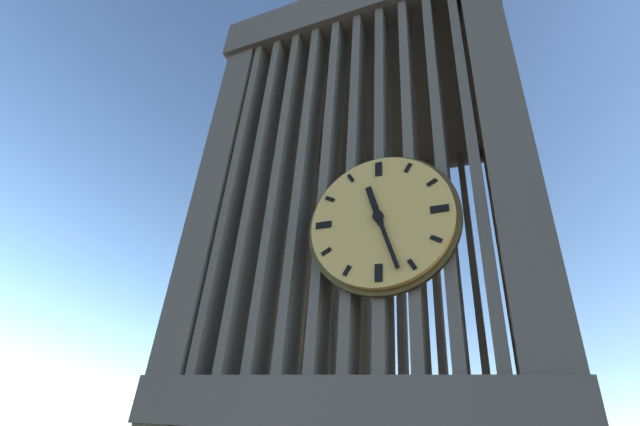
11.27
